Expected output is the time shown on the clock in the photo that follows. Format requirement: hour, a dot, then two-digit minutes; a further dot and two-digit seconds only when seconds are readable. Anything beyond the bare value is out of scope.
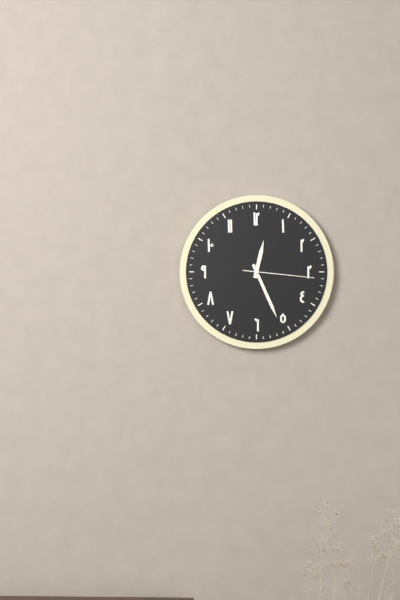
12.26.16
